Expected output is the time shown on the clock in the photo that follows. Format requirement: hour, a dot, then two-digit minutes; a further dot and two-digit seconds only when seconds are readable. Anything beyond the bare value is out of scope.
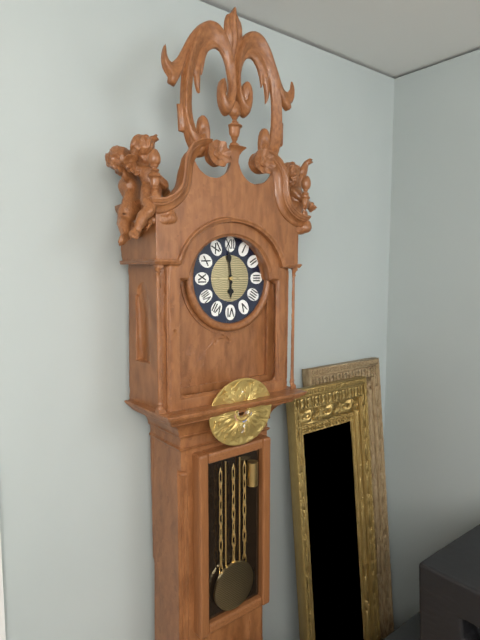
5.59
